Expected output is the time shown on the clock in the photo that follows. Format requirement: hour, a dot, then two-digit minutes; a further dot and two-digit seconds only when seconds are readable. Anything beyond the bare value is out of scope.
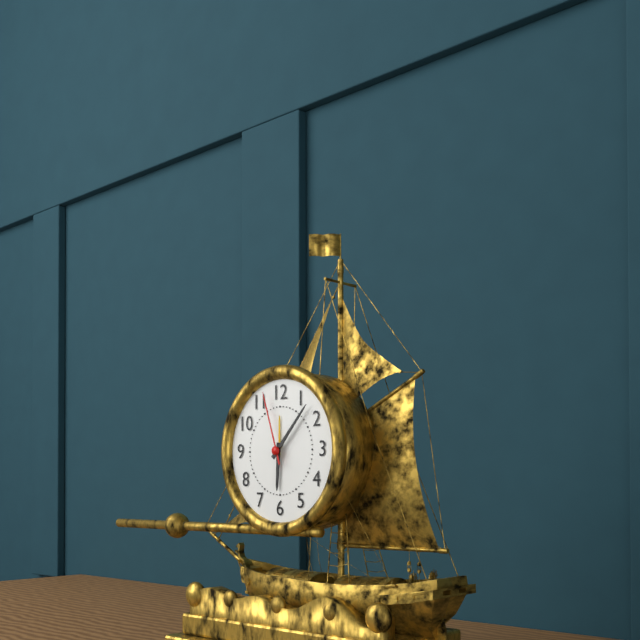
6.07.57
